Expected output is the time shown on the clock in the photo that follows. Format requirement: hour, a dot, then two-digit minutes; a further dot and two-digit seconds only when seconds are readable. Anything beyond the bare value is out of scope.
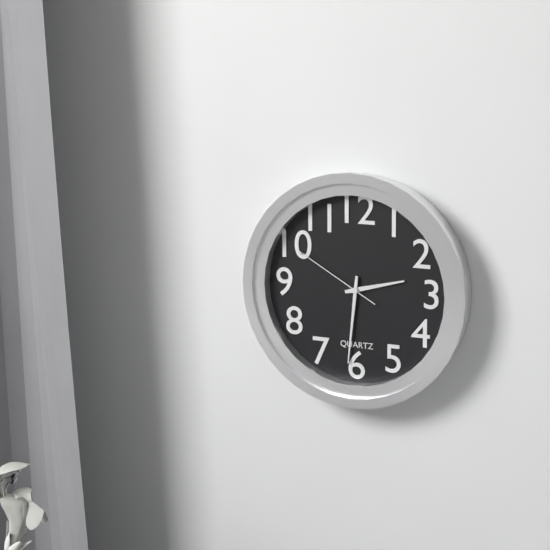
2.31.50
